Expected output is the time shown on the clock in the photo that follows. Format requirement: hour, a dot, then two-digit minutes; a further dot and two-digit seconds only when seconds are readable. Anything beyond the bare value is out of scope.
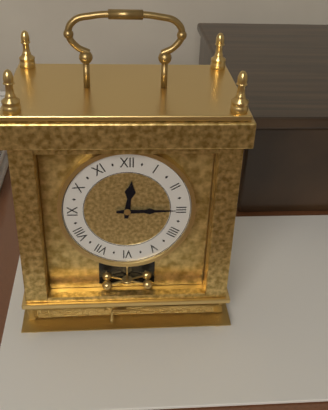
12.15
